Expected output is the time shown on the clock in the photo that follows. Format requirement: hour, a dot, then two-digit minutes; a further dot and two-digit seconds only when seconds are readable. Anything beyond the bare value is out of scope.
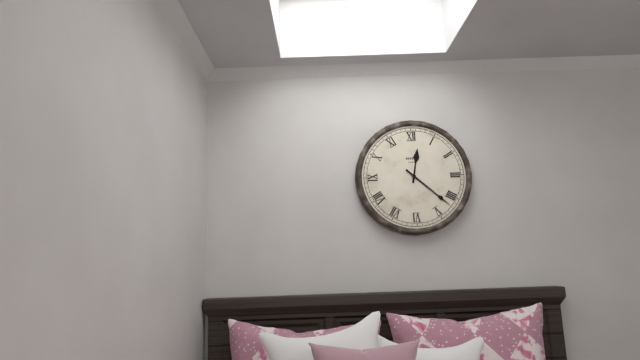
12.22
